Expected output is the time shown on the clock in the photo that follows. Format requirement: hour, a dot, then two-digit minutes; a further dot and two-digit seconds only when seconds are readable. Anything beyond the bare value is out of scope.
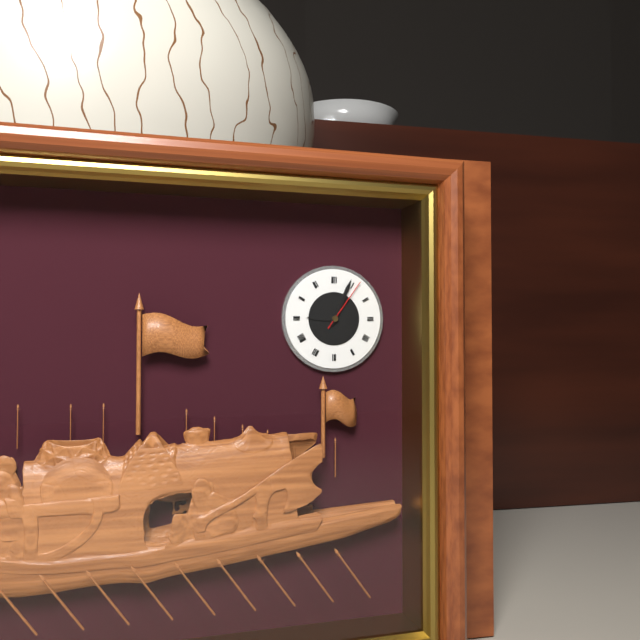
9.04.06
